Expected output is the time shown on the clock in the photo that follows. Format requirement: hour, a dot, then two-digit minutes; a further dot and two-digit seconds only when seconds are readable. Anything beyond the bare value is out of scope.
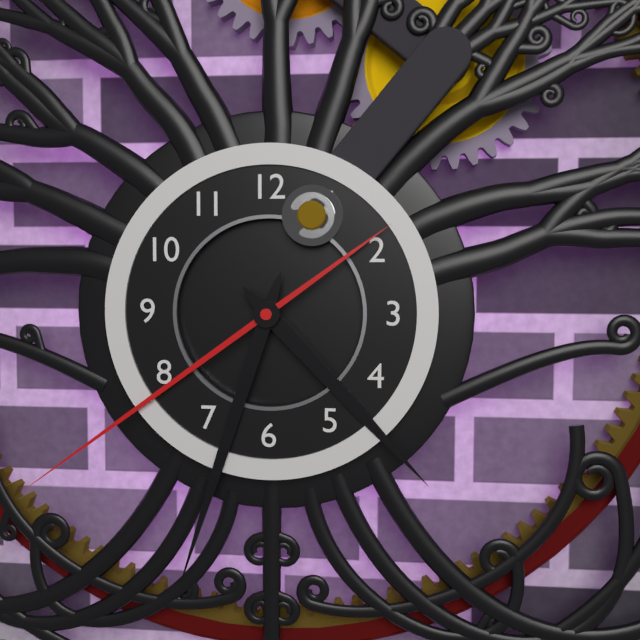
4.33.39
